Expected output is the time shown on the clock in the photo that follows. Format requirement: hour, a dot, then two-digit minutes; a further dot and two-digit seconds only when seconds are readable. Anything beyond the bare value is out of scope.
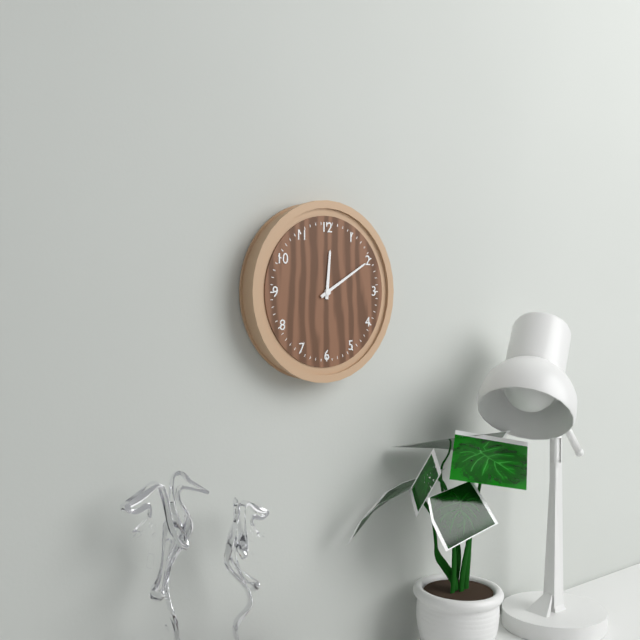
12.10
